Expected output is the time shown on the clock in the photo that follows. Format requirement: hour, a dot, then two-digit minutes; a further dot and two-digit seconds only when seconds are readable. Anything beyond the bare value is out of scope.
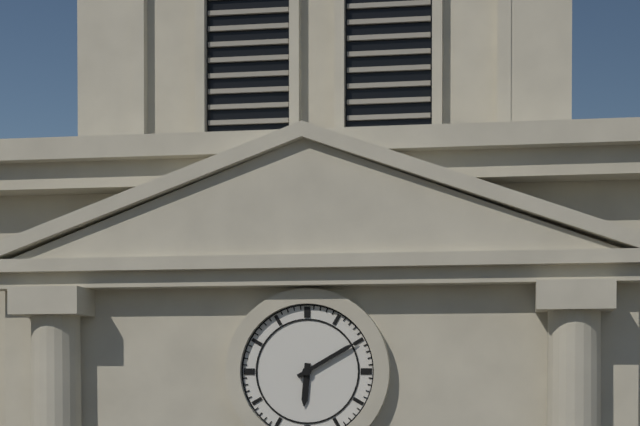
6.10
